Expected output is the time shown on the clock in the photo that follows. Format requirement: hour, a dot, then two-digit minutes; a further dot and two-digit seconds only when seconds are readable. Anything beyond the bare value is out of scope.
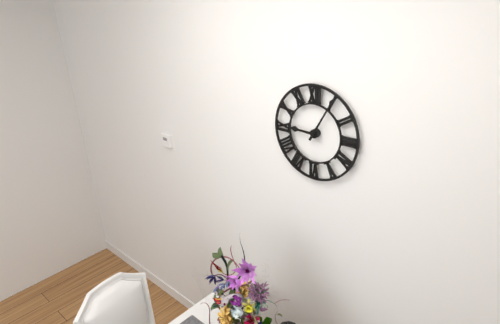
9.05
